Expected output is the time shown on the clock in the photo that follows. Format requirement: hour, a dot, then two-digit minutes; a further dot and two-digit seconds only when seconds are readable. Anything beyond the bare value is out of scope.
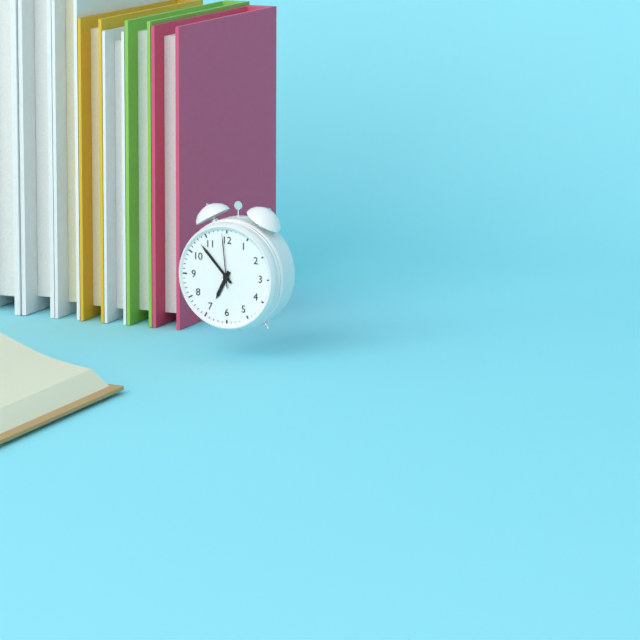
6.53.59
